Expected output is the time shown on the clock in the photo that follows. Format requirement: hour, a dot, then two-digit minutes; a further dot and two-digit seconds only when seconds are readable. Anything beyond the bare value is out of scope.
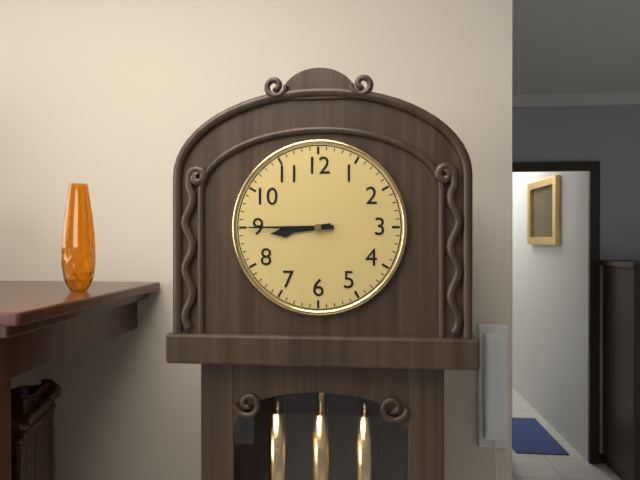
8.45
